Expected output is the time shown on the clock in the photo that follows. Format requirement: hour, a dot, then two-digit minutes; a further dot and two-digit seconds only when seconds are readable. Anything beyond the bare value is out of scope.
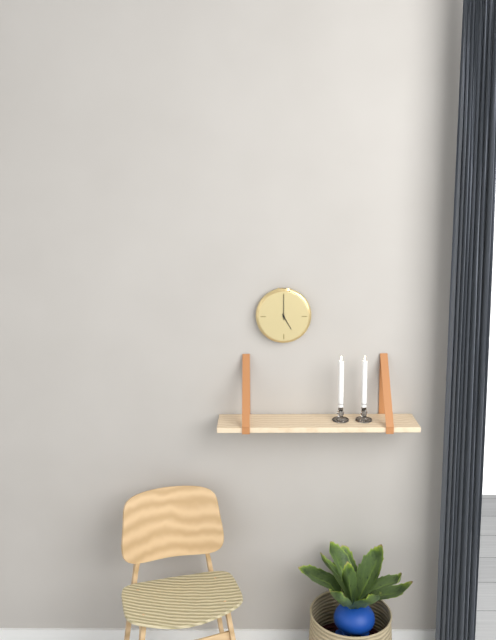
5.00
